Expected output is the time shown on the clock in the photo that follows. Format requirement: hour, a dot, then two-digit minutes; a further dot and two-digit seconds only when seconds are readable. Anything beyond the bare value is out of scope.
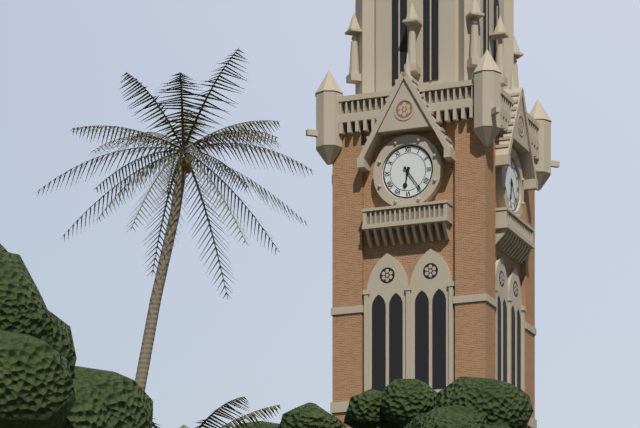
6.24
